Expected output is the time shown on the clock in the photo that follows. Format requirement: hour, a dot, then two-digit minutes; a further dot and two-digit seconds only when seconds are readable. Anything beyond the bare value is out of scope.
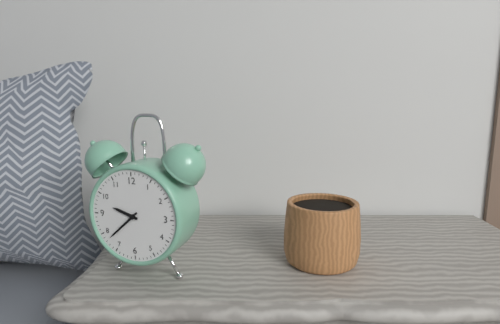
9.38
